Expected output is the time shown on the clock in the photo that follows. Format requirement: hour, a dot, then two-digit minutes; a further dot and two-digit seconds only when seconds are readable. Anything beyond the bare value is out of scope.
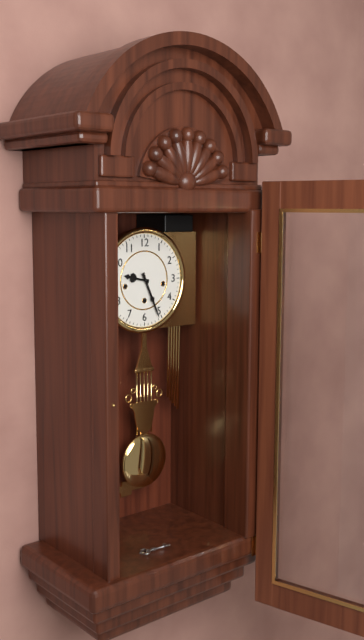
9.26
